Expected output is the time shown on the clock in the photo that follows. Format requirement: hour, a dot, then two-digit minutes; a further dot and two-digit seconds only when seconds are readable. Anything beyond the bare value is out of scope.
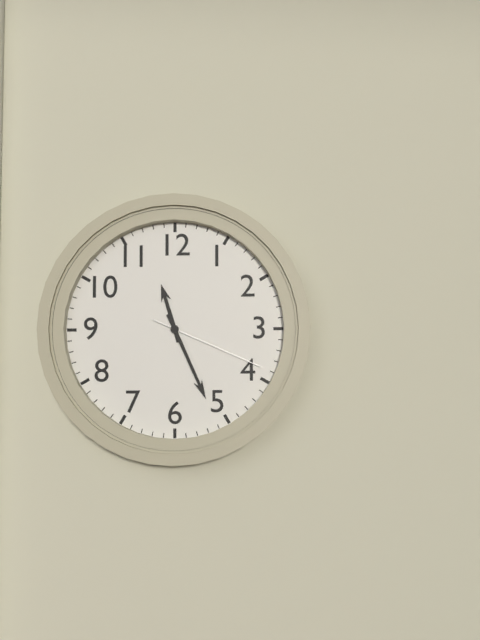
11.26.19
